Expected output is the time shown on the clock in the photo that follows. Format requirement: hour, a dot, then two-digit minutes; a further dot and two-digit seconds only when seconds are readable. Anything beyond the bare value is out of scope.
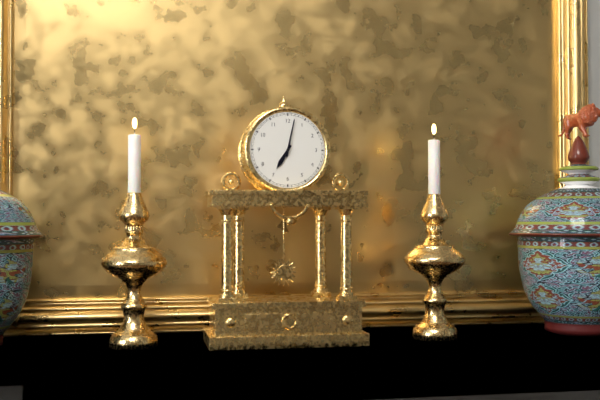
7.02
